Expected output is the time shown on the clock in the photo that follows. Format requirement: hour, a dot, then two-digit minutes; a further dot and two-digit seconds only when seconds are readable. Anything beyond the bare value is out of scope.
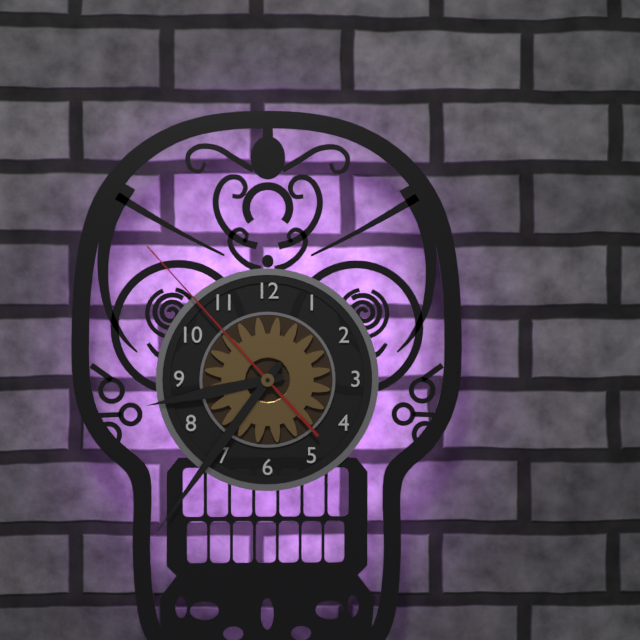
8.36.53
